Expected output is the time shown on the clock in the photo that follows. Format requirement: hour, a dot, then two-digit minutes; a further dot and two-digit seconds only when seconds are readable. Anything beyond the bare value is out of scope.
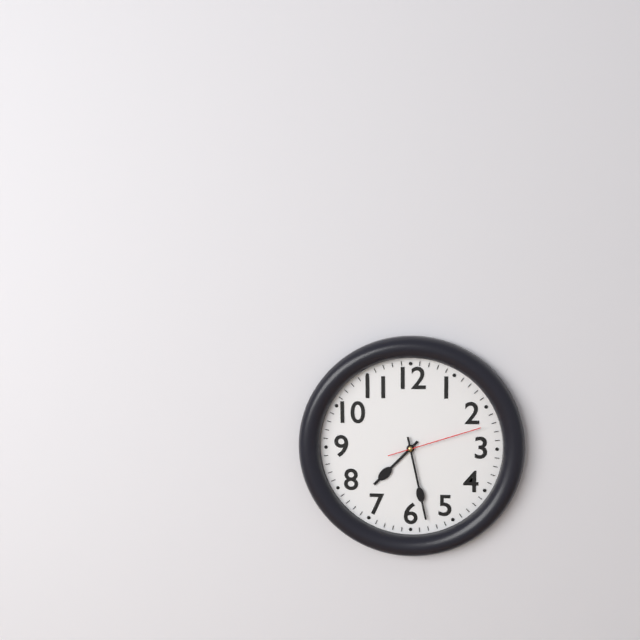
7.28.12
